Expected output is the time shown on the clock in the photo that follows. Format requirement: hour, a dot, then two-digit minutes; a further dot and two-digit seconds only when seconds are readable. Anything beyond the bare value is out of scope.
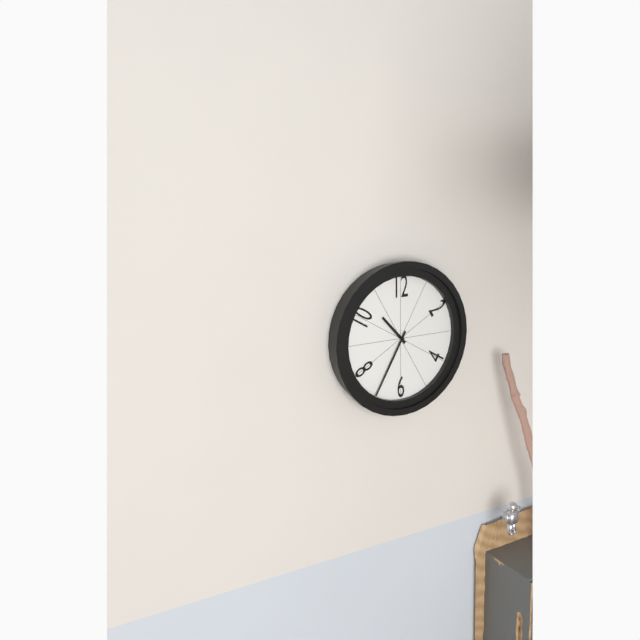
10.35
